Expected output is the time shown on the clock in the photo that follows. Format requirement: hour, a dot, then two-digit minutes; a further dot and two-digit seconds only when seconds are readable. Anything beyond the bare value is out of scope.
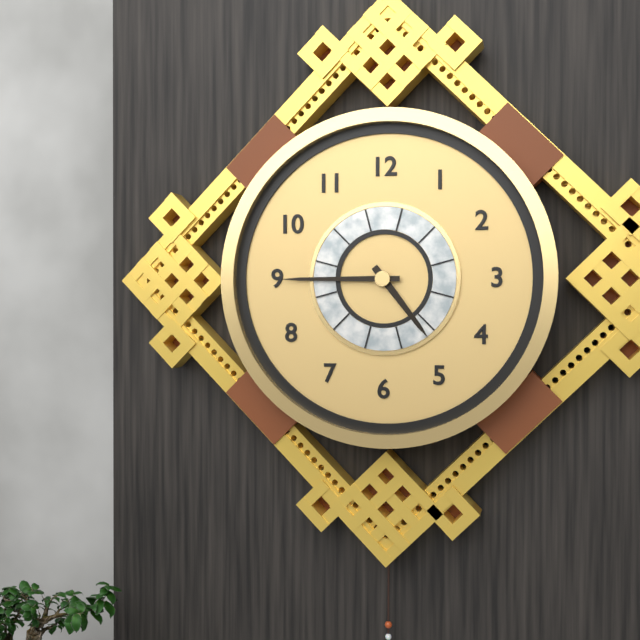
4.45
